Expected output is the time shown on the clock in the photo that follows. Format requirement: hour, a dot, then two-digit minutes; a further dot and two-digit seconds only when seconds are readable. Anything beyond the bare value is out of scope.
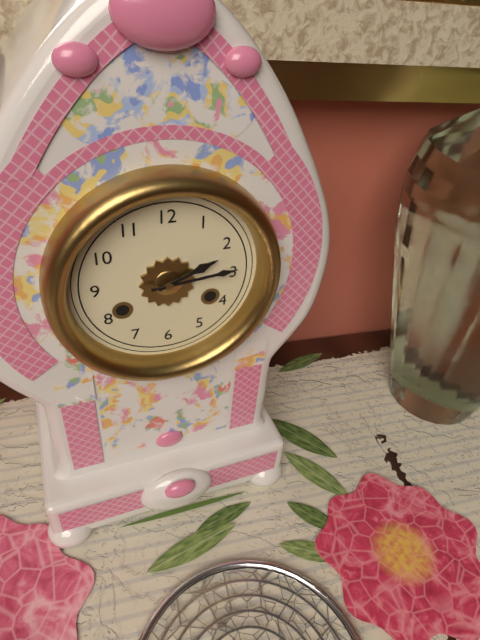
2.14
